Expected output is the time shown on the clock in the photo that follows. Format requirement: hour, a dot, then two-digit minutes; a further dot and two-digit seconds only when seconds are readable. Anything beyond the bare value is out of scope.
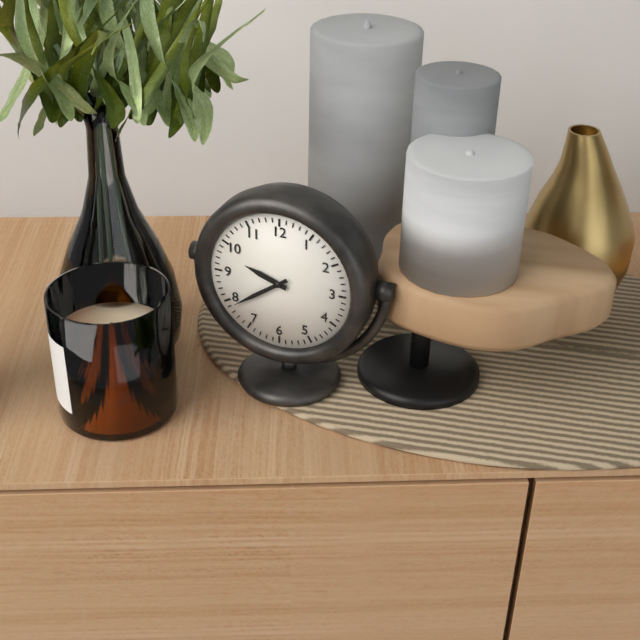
9.39
